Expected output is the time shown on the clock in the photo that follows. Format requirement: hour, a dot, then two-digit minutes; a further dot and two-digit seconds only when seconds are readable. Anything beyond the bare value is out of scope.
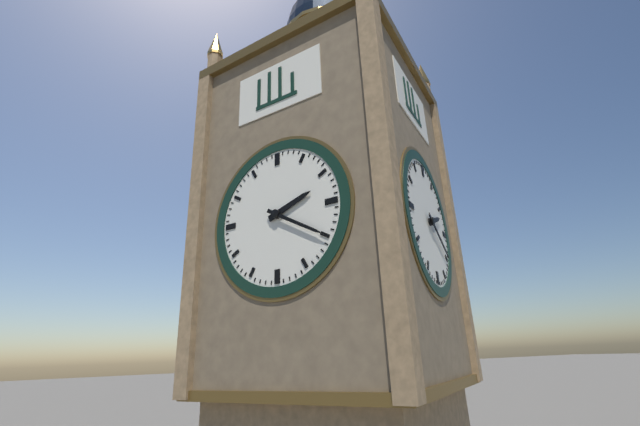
2.20
